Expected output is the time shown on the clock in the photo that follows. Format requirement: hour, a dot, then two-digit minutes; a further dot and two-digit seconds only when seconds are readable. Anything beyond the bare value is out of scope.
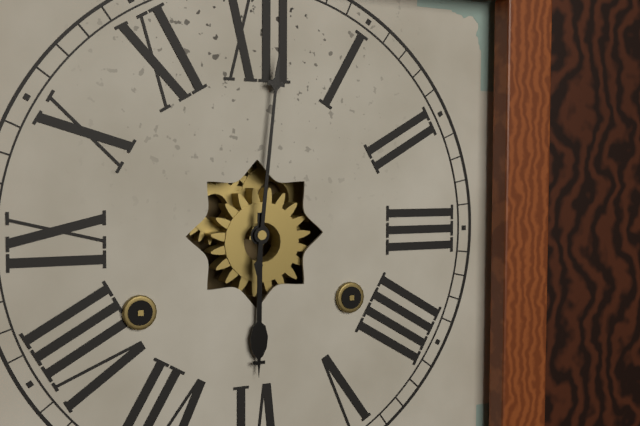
6.01
